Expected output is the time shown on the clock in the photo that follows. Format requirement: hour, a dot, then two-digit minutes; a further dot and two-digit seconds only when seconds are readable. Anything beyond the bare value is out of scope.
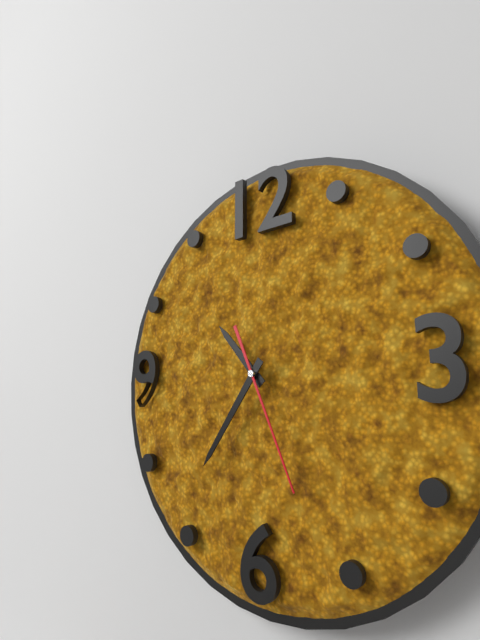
10.36.26
